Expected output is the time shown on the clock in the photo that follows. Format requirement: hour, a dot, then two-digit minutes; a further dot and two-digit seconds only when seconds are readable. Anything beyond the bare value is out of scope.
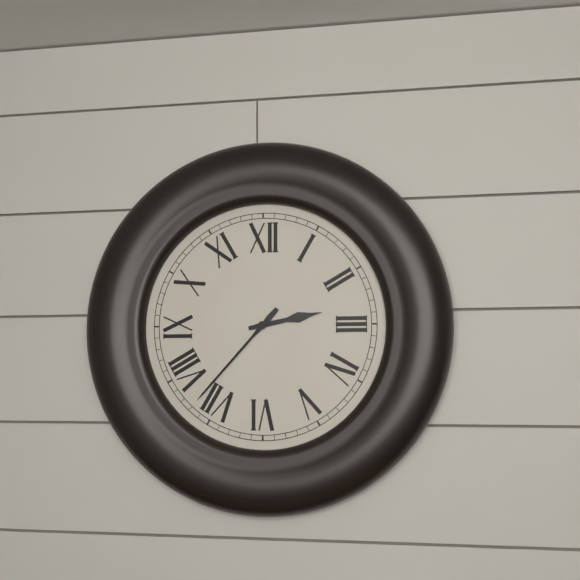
2.37
